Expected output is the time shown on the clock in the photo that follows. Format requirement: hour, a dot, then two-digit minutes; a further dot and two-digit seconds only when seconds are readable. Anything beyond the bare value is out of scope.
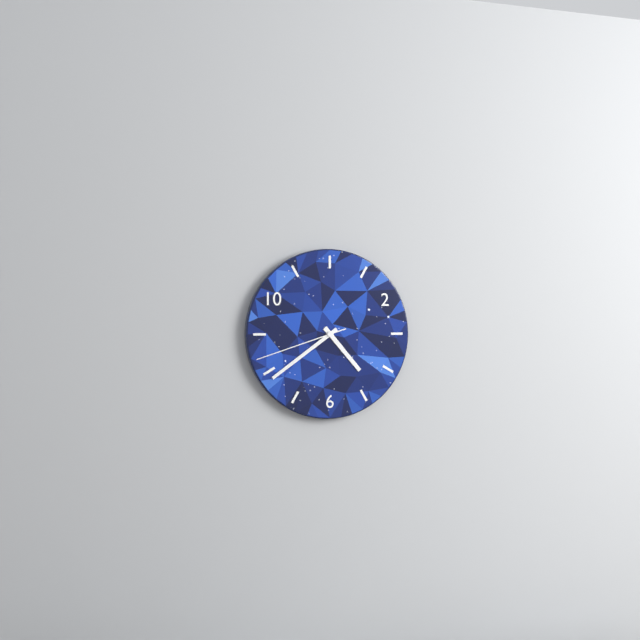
4.39.42
